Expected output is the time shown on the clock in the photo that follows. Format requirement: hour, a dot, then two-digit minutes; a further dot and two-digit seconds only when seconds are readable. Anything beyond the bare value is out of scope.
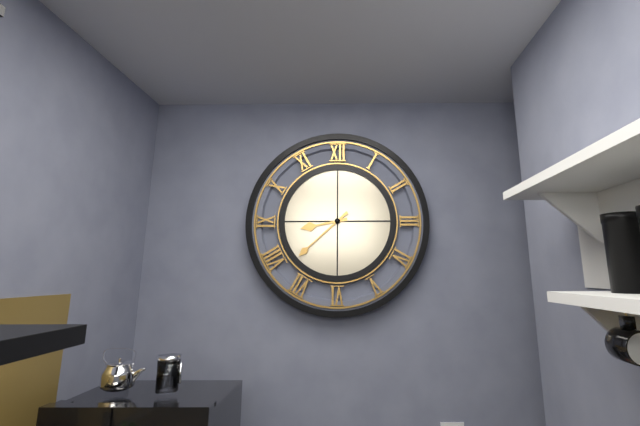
8.38
